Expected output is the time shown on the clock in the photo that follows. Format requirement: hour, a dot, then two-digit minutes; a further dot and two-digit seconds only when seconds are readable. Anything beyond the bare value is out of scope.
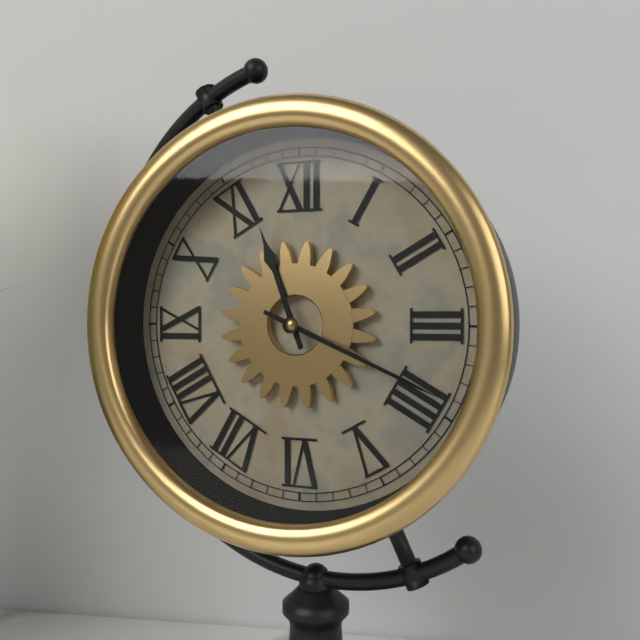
11.19
